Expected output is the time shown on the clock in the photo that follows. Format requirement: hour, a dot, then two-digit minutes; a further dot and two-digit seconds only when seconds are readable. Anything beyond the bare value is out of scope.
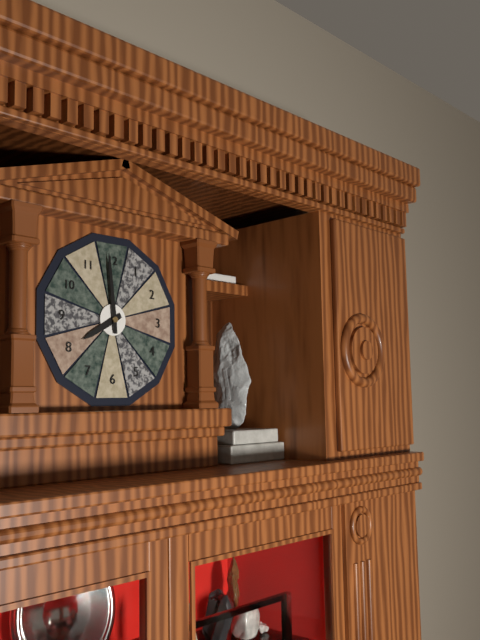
7.59
